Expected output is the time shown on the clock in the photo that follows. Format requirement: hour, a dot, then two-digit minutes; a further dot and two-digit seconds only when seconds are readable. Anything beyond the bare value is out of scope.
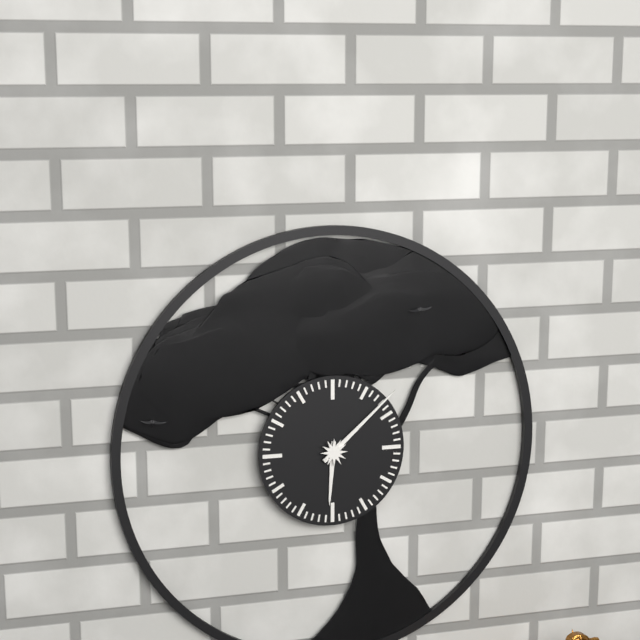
6.08
